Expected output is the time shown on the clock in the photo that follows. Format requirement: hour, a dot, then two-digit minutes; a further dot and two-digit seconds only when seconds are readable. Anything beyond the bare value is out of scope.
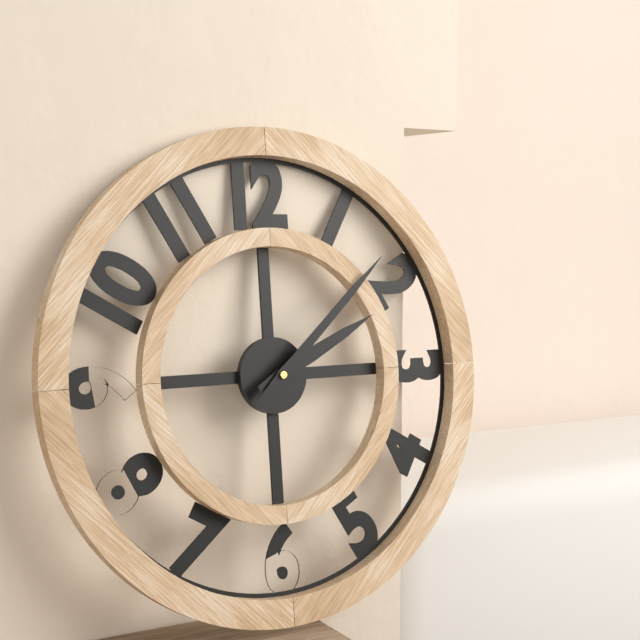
2.08
